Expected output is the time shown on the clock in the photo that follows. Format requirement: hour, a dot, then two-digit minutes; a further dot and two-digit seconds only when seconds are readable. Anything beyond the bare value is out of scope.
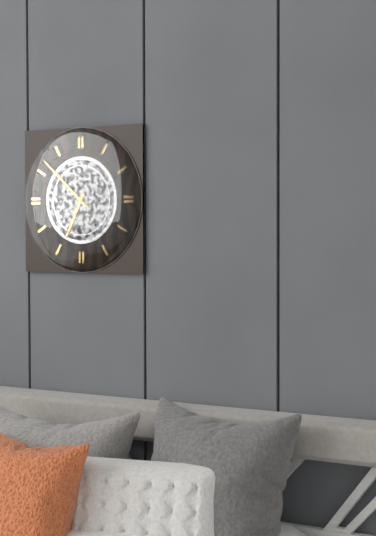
6.52
